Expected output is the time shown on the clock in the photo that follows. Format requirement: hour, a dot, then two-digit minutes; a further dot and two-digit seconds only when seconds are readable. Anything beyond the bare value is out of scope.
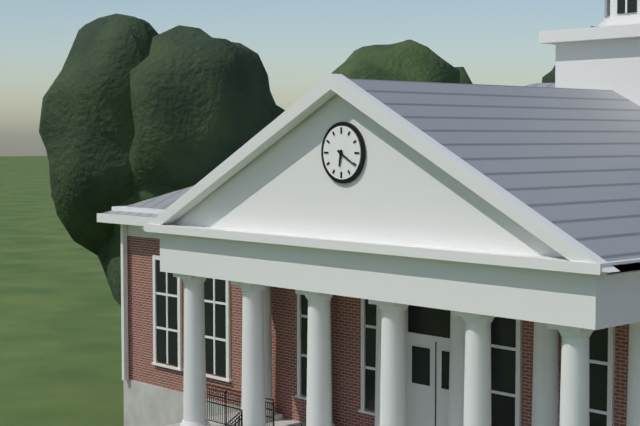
6.20
